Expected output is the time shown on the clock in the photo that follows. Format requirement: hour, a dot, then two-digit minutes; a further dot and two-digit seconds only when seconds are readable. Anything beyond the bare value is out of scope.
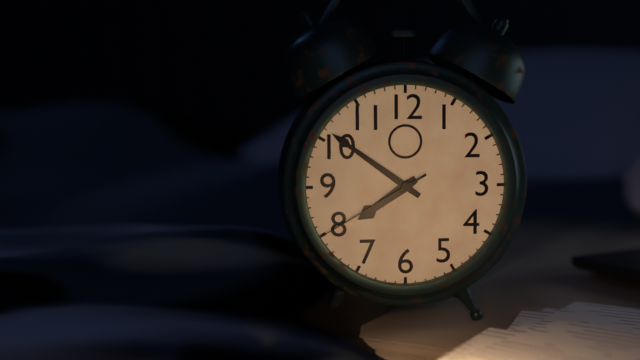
7.51.40
